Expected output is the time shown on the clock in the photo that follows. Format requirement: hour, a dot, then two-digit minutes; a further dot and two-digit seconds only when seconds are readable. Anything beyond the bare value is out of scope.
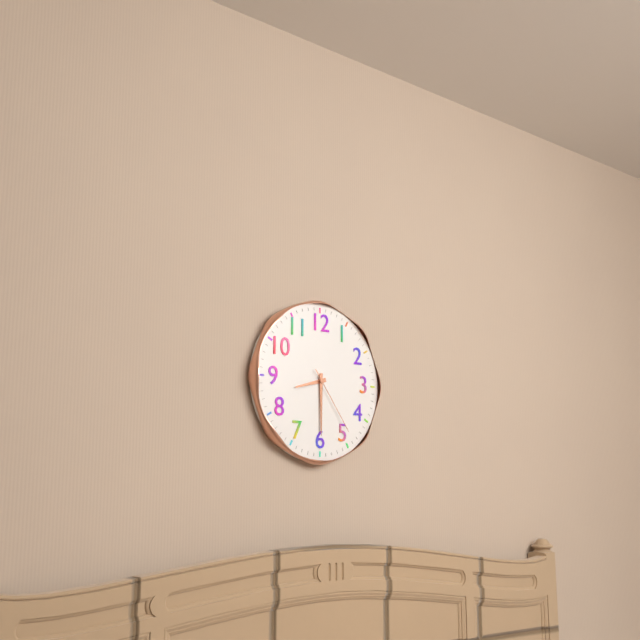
8.30.24
